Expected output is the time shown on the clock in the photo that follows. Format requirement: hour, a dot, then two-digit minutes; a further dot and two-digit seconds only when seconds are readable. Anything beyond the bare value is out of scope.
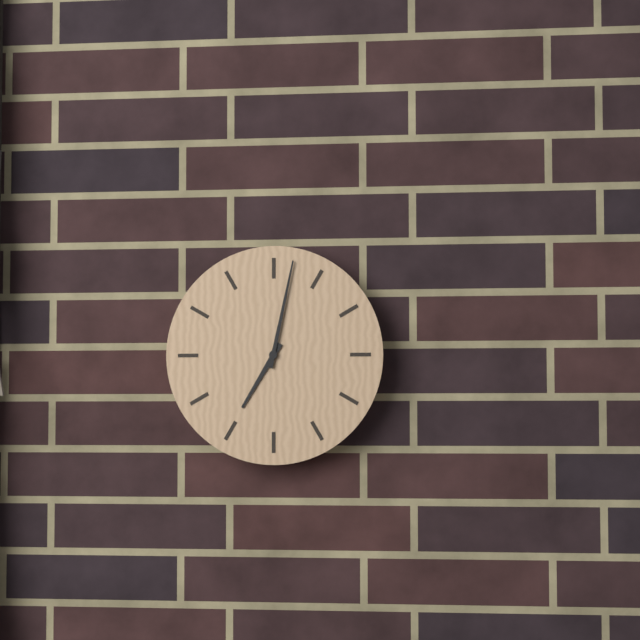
7.02
